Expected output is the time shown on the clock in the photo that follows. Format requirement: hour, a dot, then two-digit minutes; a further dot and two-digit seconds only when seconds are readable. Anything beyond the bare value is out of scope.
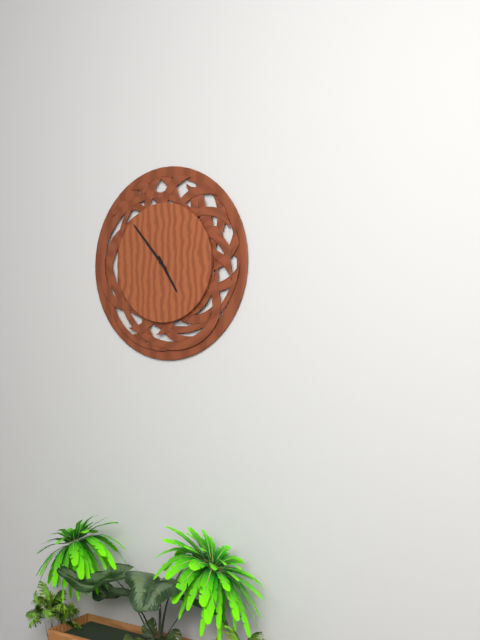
4.53
